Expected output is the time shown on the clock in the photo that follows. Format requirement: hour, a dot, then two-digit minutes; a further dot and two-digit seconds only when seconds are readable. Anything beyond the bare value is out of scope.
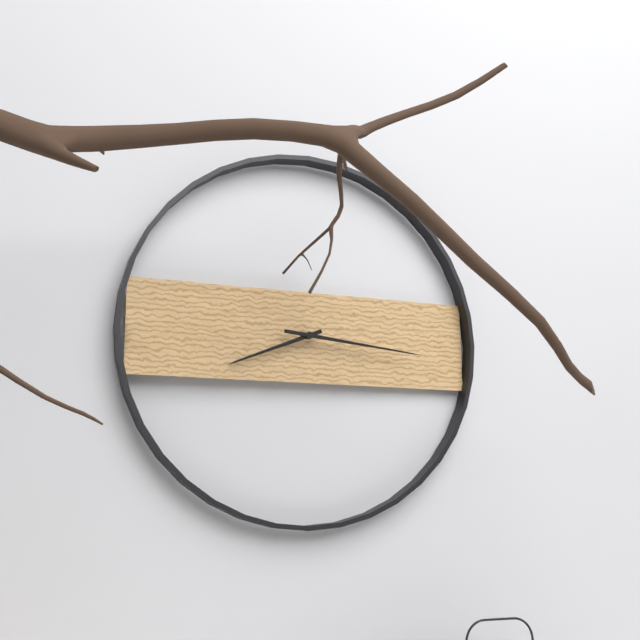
8.16
